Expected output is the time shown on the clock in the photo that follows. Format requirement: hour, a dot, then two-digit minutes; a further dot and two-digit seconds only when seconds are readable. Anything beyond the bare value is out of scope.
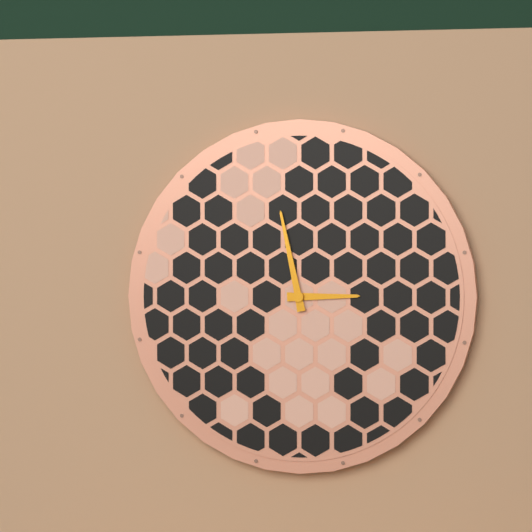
2.58
